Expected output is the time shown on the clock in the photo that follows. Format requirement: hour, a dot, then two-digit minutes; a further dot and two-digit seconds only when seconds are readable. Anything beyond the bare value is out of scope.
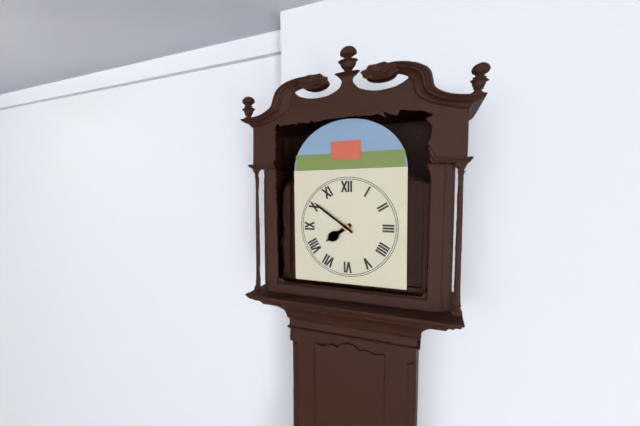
7.51
